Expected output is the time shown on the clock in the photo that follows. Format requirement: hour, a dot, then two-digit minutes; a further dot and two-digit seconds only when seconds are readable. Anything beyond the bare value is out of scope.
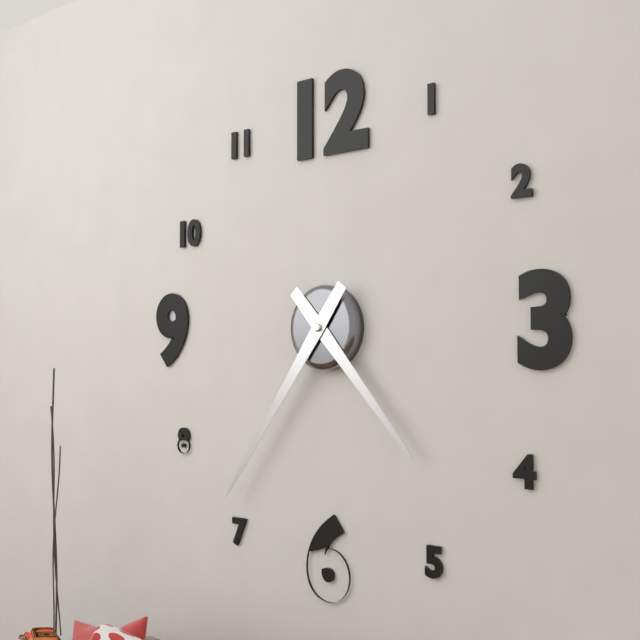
4.36
